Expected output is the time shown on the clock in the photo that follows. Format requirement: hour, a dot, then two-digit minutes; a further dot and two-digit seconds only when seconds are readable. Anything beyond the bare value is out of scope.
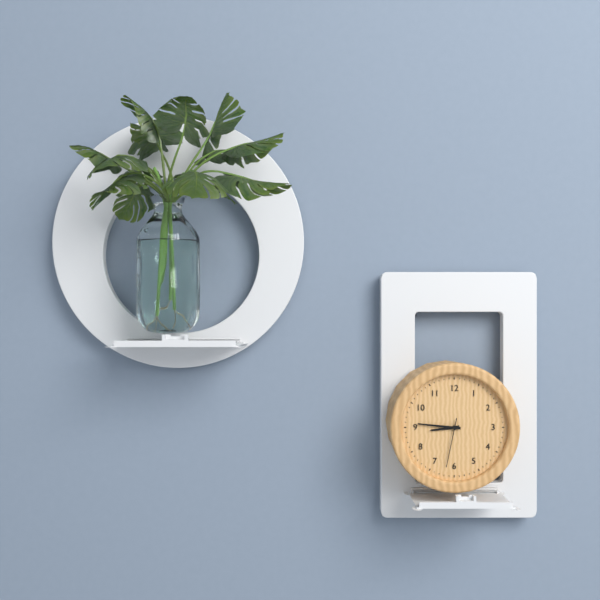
8.46.32
